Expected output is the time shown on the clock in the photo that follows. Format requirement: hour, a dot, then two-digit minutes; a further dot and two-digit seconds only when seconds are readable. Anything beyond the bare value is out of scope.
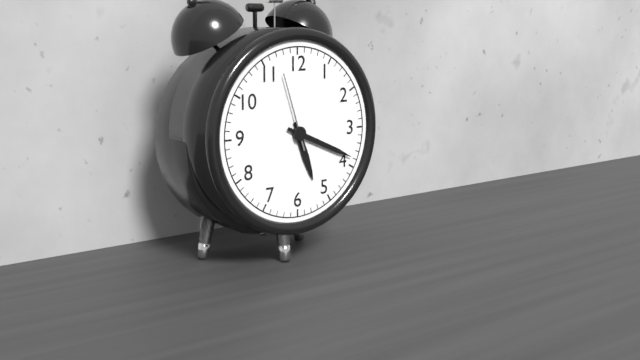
5.19.57
